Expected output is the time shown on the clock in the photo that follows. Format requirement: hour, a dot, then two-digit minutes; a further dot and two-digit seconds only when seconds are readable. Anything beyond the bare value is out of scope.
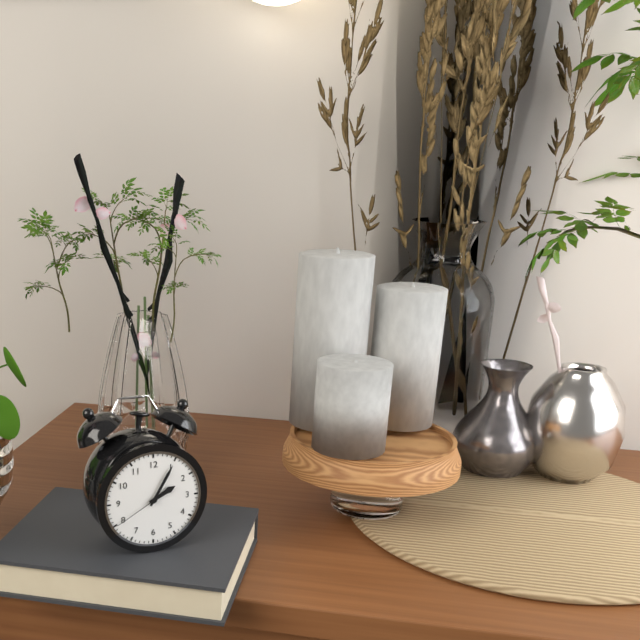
2.05.40
